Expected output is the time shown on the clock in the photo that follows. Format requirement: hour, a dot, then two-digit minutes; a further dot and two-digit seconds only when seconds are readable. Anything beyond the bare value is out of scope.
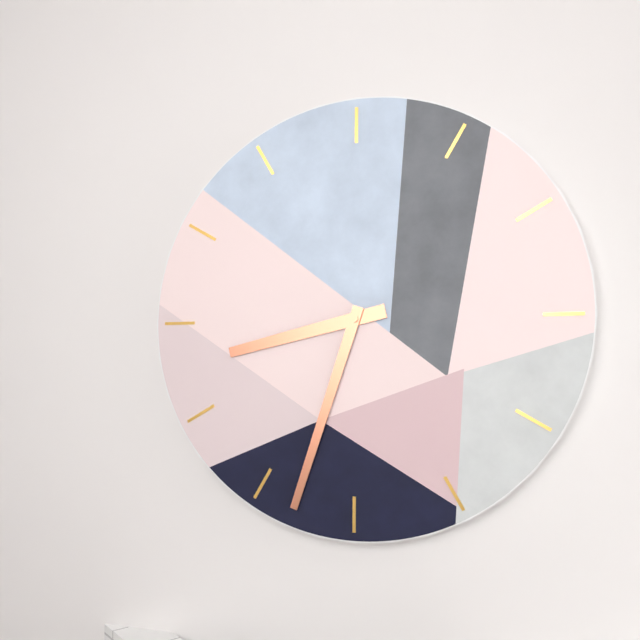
8.33
